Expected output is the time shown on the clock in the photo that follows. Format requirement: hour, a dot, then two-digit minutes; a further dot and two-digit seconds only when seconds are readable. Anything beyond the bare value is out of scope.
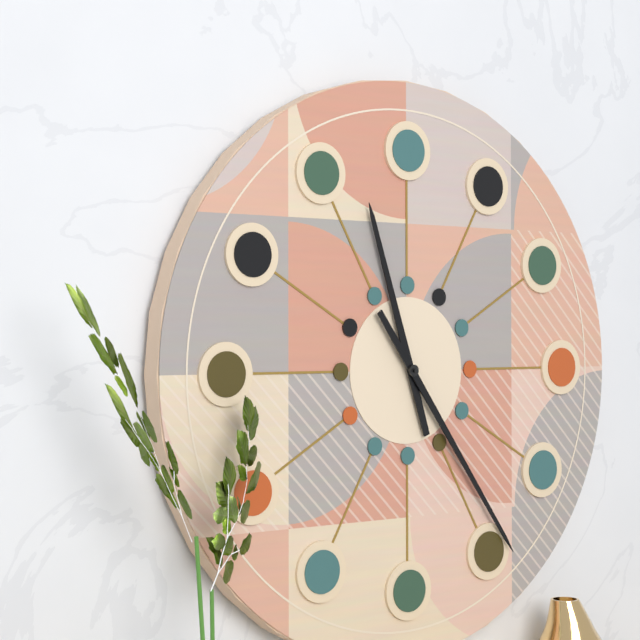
11.24
